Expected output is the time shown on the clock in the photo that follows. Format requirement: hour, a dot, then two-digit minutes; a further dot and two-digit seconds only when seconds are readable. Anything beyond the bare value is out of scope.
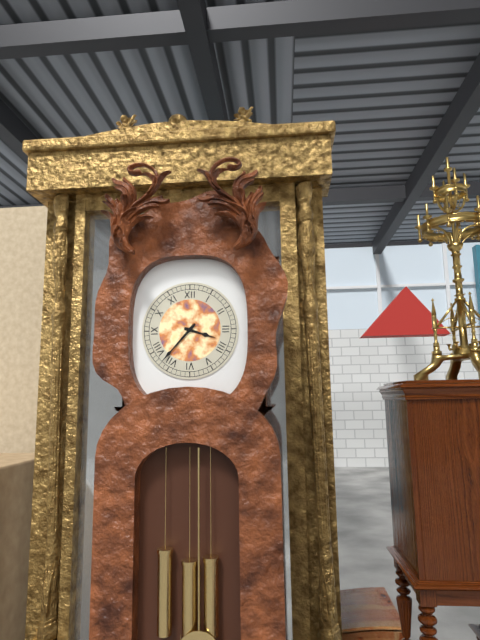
3.37
